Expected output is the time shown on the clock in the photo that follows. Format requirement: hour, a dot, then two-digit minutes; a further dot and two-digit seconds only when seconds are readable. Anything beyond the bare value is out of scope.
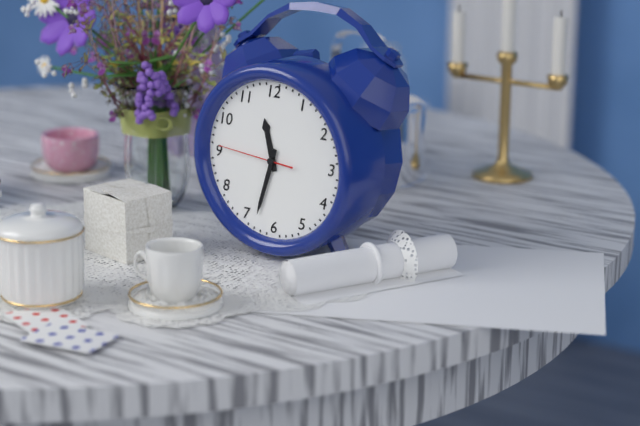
11.33.46
